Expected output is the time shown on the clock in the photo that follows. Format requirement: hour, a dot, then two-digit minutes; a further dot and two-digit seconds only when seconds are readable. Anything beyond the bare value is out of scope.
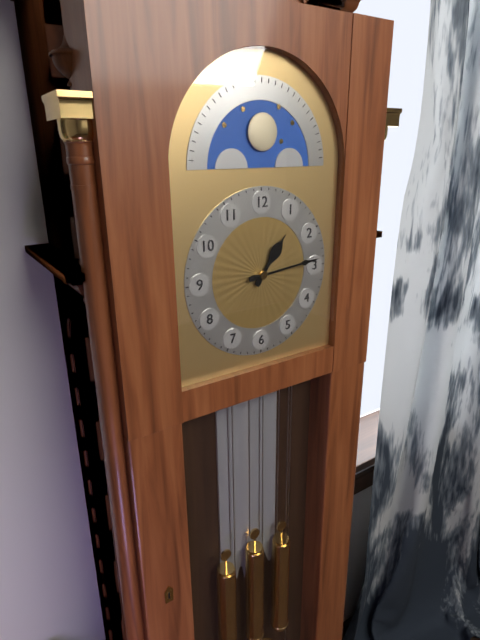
1.14
